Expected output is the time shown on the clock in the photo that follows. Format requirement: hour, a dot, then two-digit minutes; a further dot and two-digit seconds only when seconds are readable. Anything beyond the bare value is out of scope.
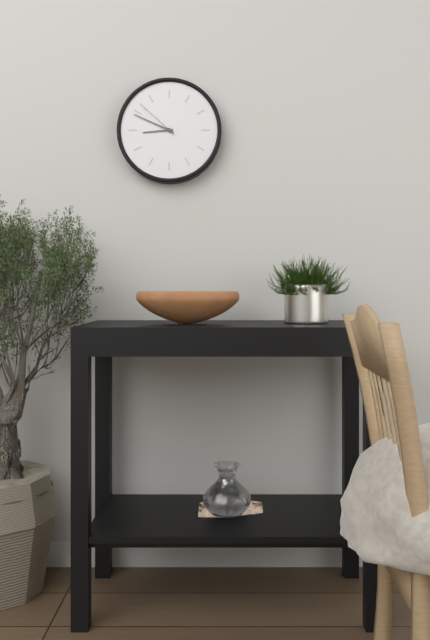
8.49
